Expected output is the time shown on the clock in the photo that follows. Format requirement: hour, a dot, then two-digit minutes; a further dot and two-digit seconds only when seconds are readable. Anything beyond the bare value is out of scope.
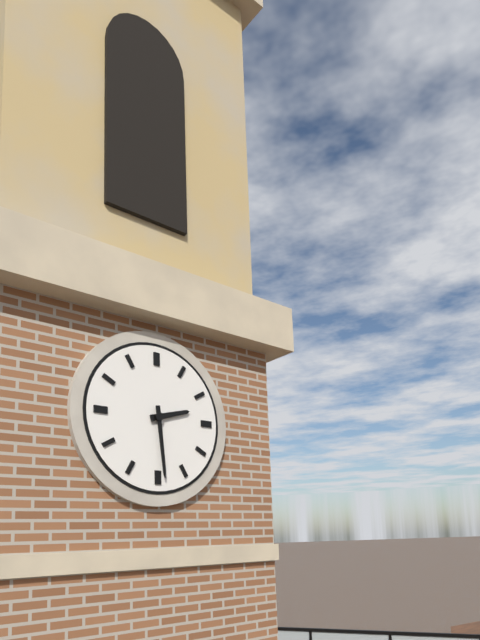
2.29
